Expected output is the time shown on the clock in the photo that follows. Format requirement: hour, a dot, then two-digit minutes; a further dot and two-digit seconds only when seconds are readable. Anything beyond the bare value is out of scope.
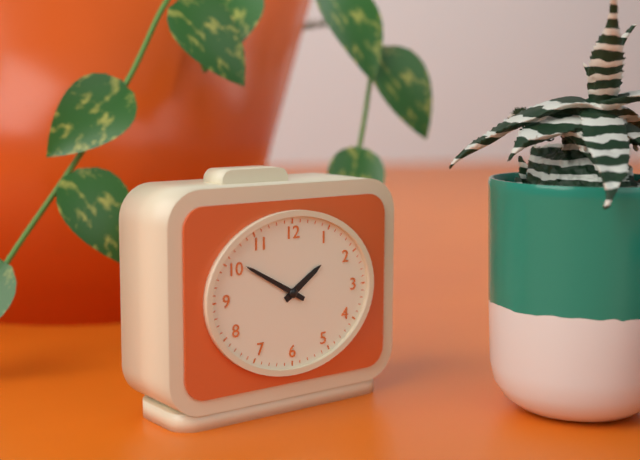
1.50
